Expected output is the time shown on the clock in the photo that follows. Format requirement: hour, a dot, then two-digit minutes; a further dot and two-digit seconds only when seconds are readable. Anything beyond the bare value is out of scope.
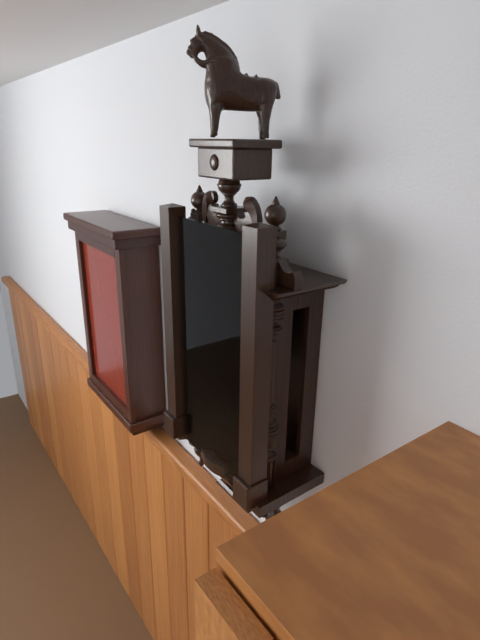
6.59
